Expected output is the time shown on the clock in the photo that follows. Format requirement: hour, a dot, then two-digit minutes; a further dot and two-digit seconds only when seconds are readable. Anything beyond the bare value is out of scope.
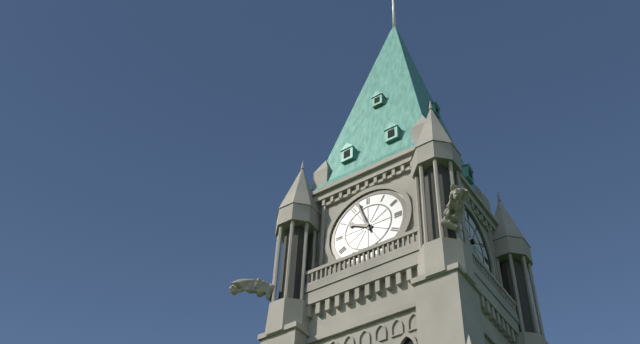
9.57
